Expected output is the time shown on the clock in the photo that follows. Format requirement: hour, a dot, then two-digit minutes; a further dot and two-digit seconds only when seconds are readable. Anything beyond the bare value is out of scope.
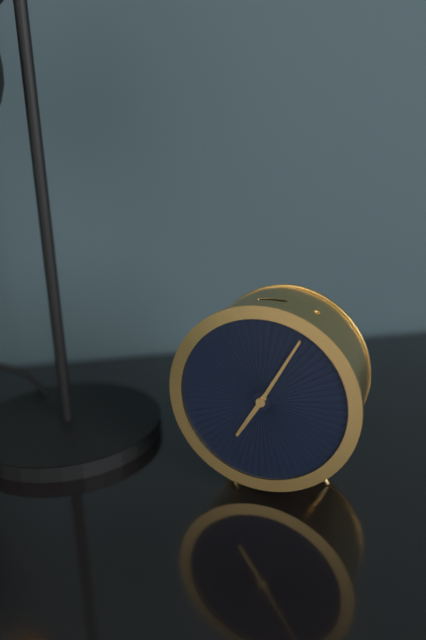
7.05
